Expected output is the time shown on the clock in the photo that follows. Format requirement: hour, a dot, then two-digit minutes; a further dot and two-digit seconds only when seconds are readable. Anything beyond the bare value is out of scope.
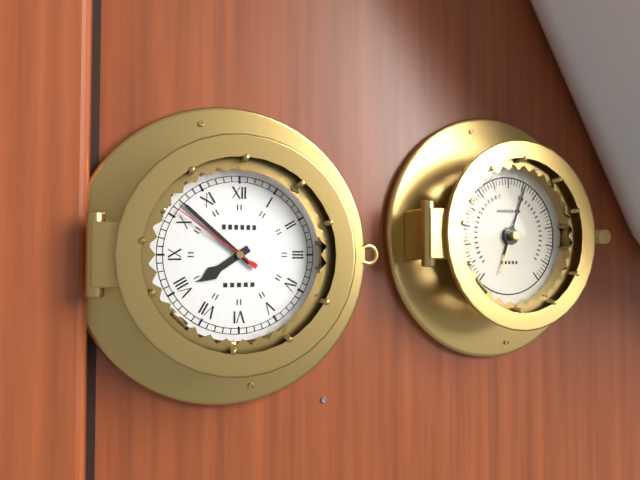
7.52.51
